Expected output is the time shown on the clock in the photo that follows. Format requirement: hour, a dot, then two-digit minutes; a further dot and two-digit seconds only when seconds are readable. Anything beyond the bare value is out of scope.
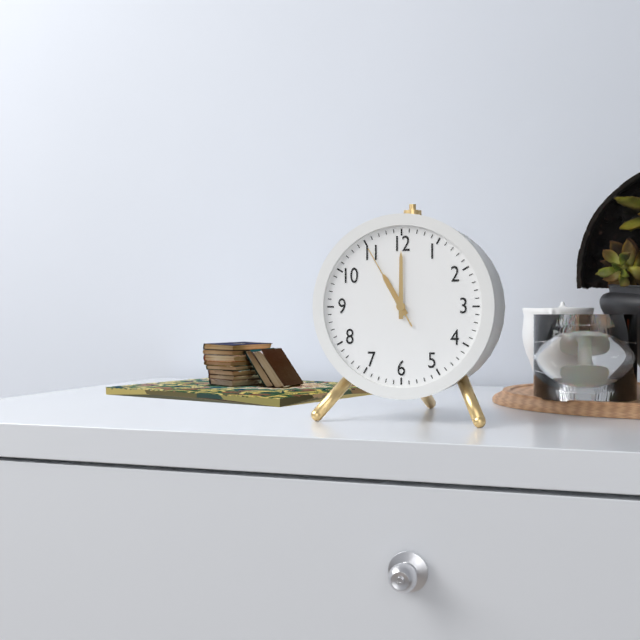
11.00.55
